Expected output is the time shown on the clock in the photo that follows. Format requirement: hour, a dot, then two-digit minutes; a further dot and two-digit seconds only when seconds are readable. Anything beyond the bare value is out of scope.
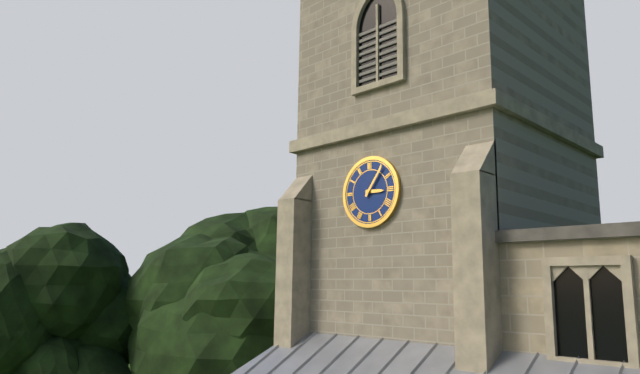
3.06
